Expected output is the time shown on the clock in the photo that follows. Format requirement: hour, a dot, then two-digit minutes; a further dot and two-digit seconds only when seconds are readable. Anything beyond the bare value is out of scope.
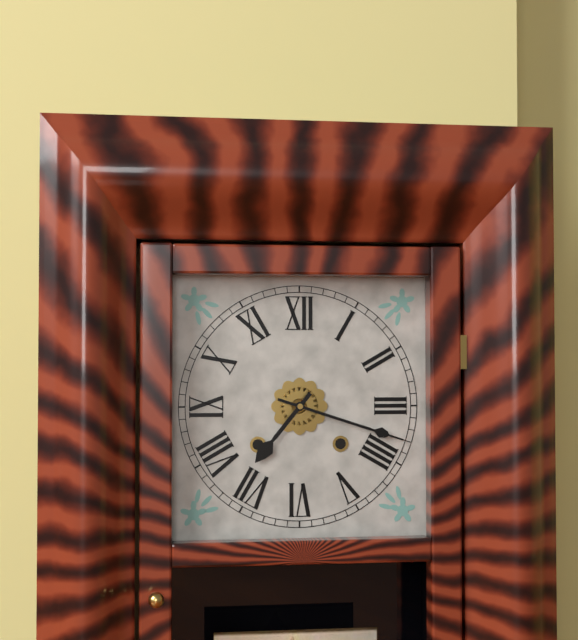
7.18
